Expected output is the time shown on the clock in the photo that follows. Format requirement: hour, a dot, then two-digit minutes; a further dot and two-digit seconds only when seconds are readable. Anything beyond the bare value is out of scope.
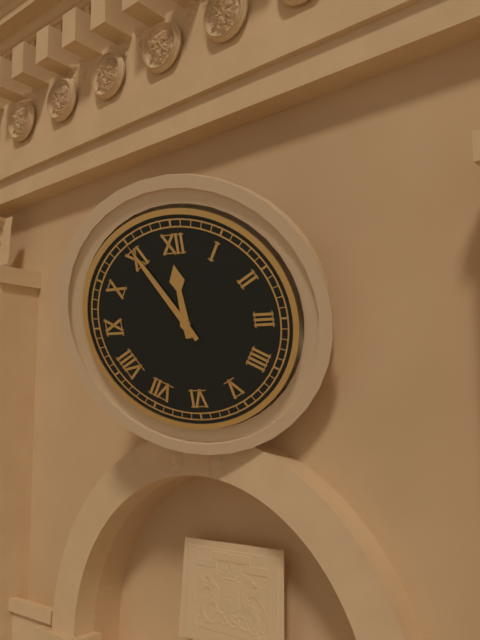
11.55
